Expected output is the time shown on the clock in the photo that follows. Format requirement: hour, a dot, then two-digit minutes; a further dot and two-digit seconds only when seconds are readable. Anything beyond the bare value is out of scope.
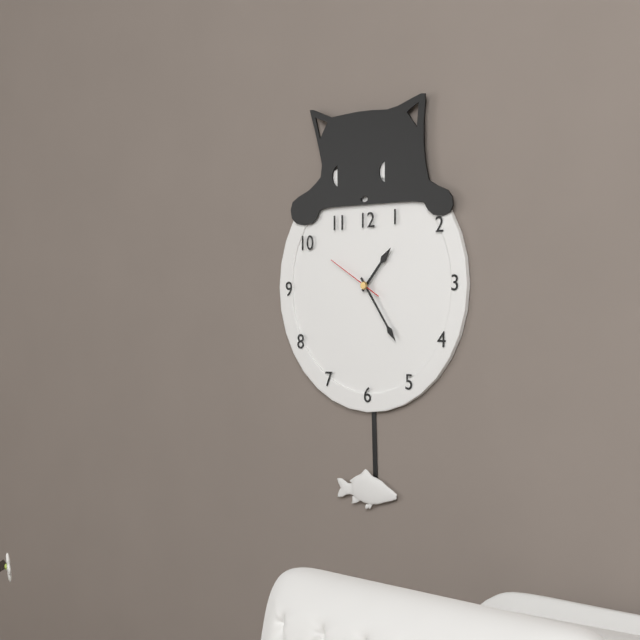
1.24.50
